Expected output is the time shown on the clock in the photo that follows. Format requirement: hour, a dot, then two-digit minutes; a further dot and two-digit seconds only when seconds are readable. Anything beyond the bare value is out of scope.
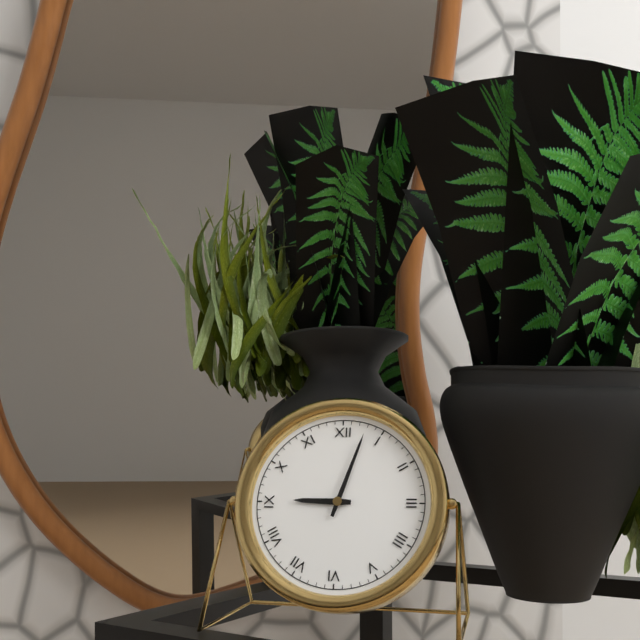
9.03
